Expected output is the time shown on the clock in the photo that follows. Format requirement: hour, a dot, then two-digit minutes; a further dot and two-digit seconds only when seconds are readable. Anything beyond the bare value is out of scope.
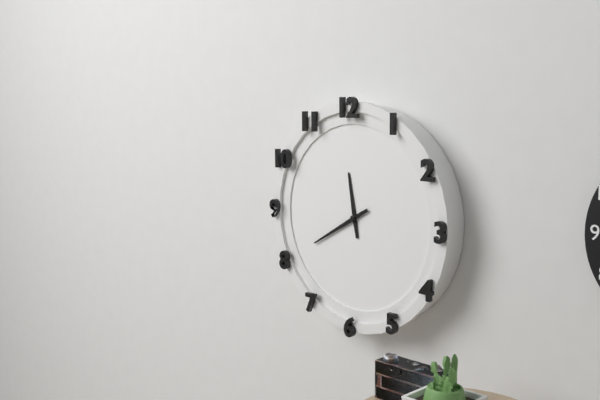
11.40
